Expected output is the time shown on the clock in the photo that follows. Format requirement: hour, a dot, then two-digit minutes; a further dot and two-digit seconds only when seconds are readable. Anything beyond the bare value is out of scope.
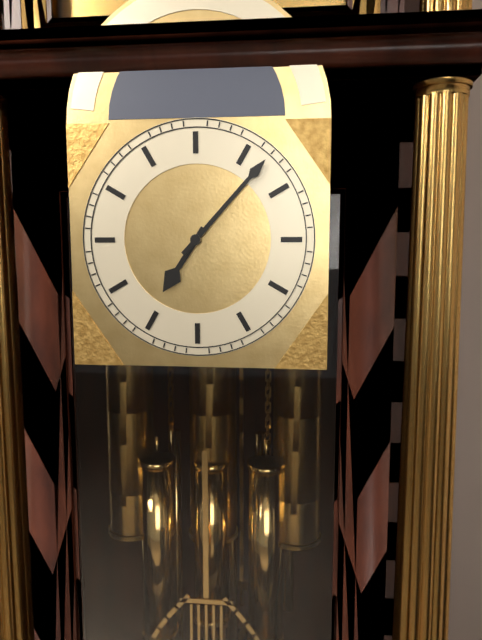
7.07
